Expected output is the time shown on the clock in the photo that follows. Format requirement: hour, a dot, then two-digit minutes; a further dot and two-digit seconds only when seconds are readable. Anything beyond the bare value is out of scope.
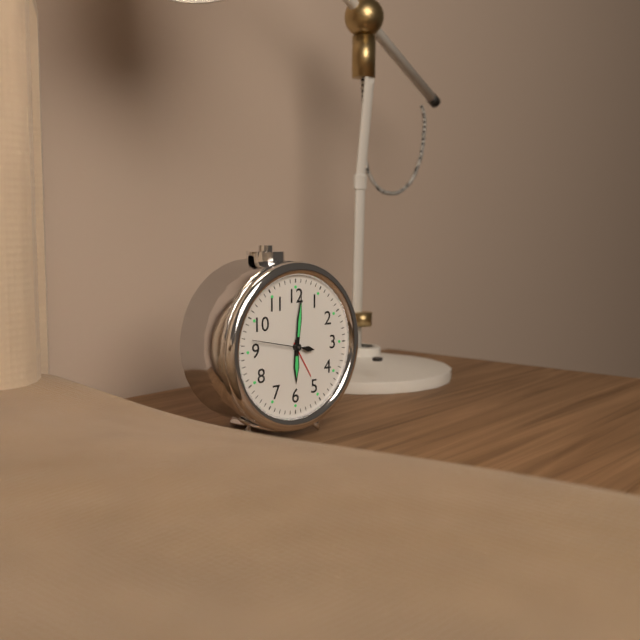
6.01.47
